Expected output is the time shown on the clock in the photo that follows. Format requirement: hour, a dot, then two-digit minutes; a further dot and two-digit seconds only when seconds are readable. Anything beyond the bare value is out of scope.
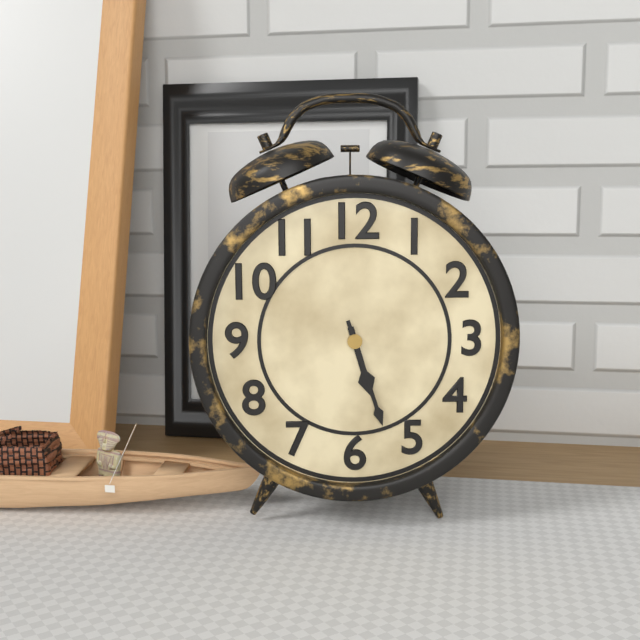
5.27
